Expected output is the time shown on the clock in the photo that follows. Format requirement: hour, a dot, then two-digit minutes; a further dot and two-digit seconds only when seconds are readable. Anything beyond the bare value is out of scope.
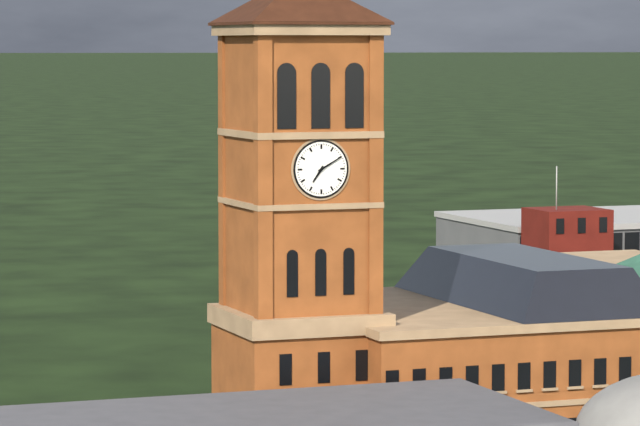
7.10
